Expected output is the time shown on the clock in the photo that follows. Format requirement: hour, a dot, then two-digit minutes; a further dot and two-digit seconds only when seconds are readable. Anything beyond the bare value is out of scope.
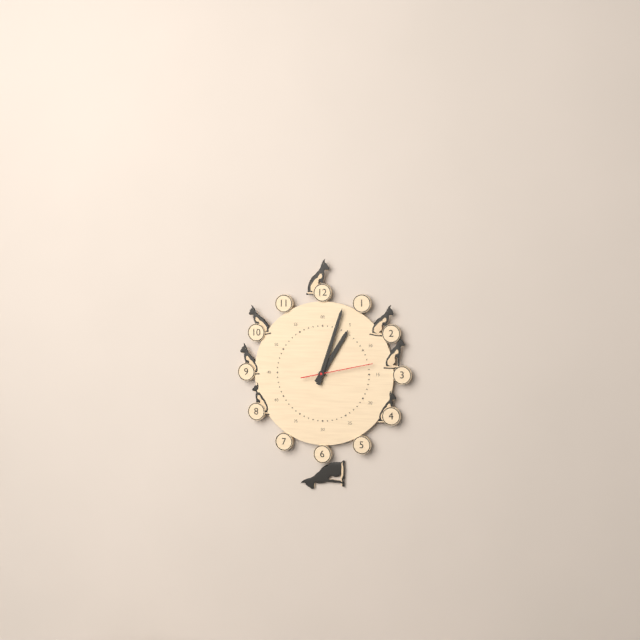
1.03.13
